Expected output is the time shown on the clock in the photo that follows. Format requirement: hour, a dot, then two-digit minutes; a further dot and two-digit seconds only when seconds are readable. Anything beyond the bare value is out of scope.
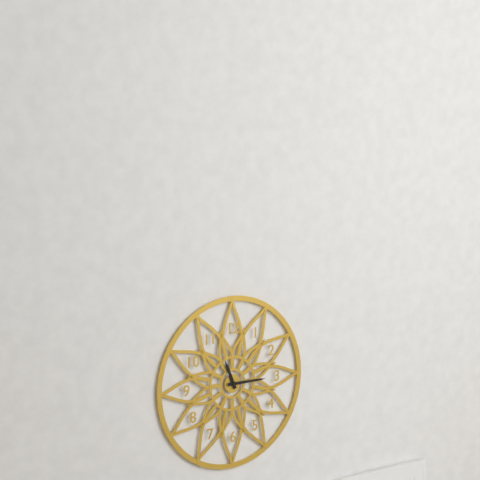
11.15
